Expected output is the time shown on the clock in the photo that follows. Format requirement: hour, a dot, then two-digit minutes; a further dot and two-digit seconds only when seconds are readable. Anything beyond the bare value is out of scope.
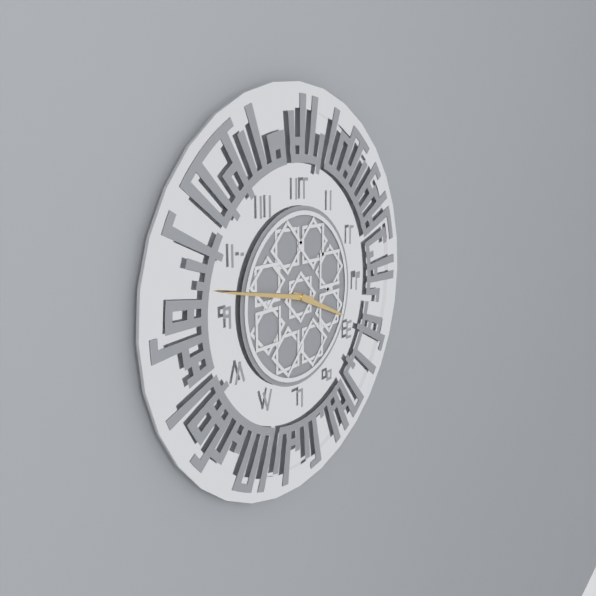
3.47
